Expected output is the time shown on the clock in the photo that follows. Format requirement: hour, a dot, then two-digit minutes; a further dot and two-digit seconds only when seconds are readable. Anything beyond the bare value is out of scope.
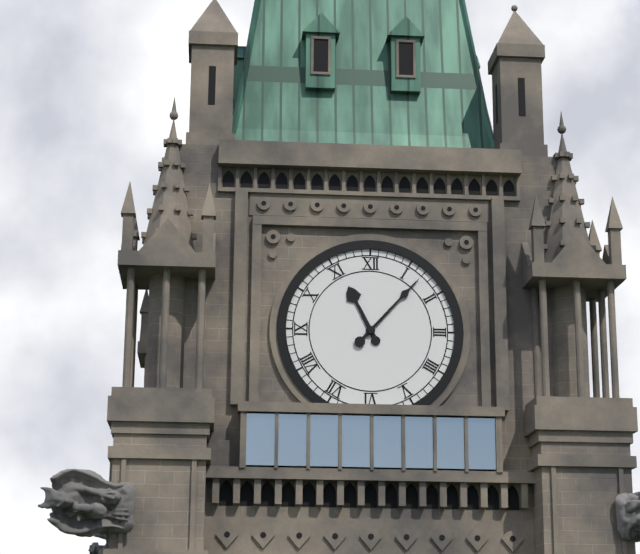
11.07
